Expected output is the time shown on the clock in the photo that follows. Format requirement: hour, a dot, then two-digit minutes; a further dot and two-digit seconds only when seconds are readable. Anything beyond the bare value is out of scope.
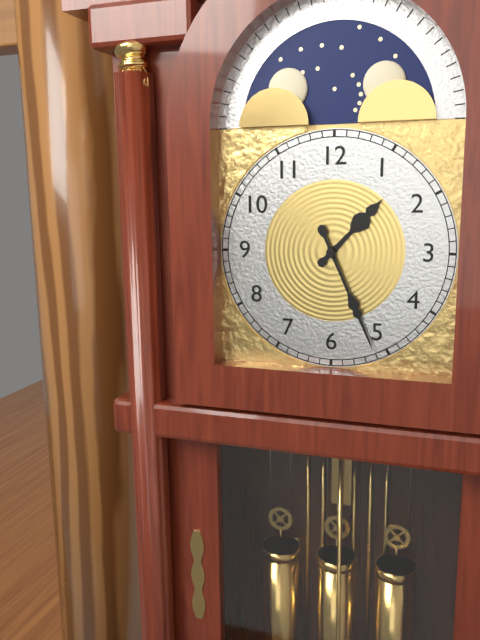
1.26
